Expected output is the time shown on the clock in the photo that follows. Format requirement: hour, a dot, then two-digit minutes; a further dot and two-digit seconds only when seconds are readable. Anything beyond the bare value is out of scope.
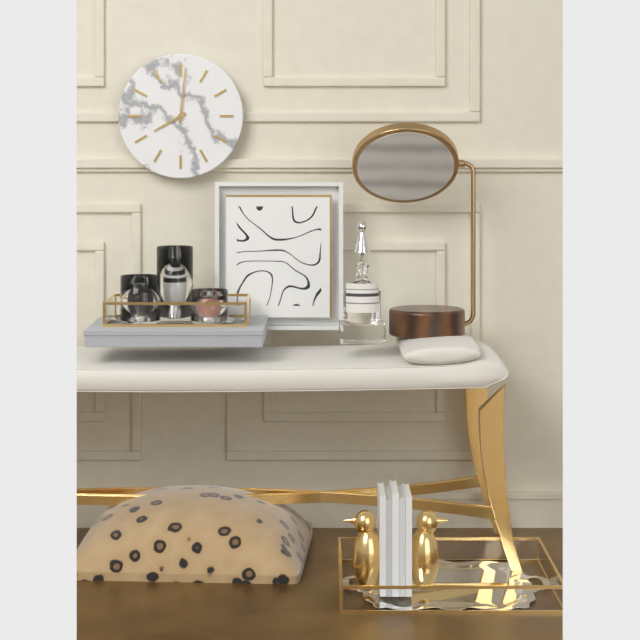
8.01
